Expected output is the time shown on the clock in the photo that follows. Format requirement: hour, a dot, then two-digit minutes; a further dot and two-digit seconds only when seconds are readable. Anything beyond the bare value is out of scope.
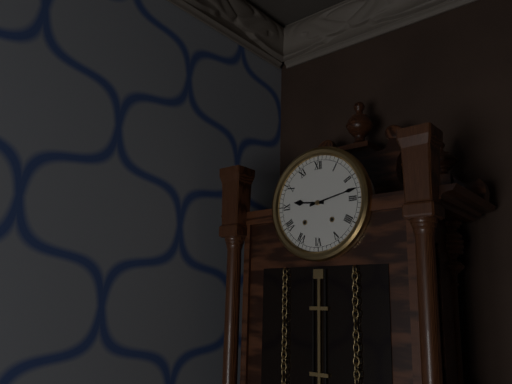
9.13
